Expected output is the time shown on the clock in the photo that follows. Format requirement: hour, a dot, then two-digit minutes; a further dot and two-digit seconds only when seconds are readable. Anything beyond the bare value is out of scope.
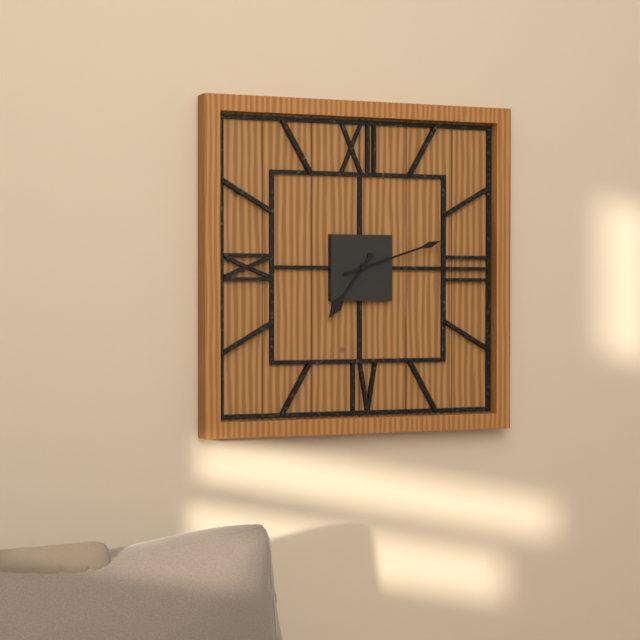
7.12
